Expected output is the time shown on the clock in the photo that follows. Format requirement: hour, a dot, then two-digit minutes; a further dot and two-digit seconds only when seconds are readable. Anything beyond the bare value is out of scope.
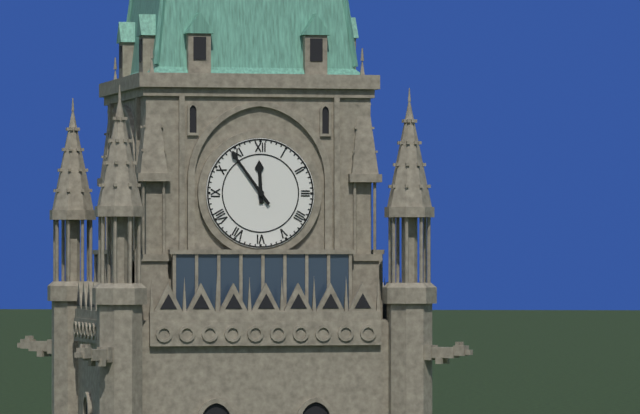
11.54
